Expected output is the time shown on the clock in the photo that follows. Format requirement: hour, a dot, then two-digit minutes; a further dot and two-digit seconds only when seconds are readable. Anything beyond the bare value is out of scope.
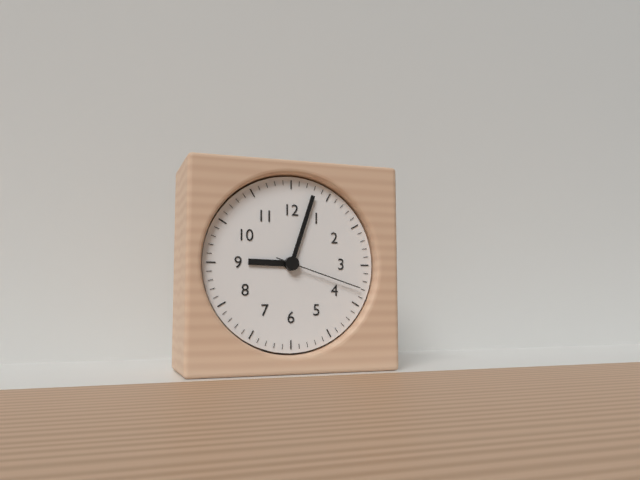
9.03.18
